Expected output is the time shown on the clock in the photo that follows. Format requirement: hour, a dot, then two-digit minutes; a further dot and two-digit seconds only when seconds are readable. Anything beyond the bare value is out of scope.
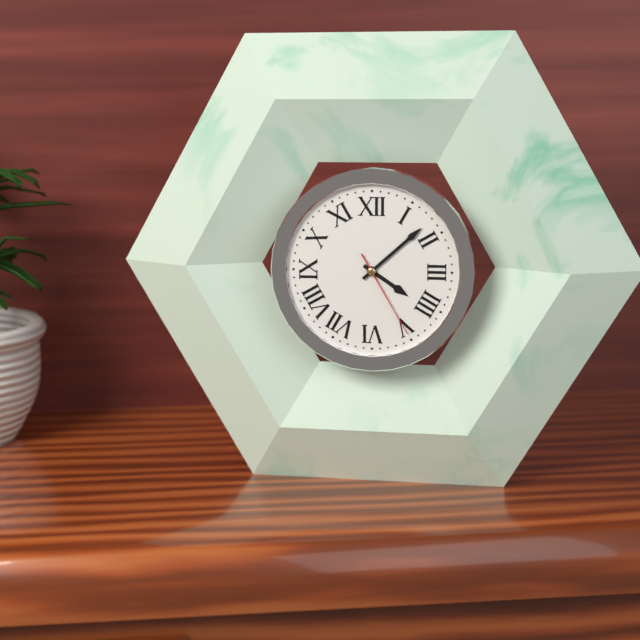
4.08.25
